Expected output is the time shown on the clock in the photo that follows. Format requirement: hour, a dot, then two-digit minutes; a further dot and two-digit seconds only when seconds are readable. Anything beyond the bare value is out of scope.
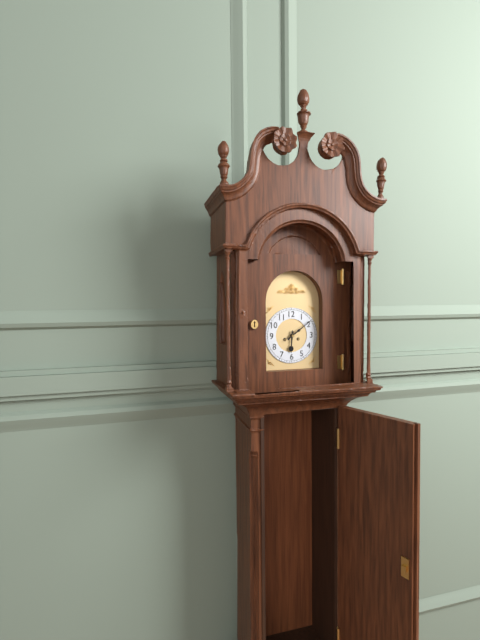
6.09
